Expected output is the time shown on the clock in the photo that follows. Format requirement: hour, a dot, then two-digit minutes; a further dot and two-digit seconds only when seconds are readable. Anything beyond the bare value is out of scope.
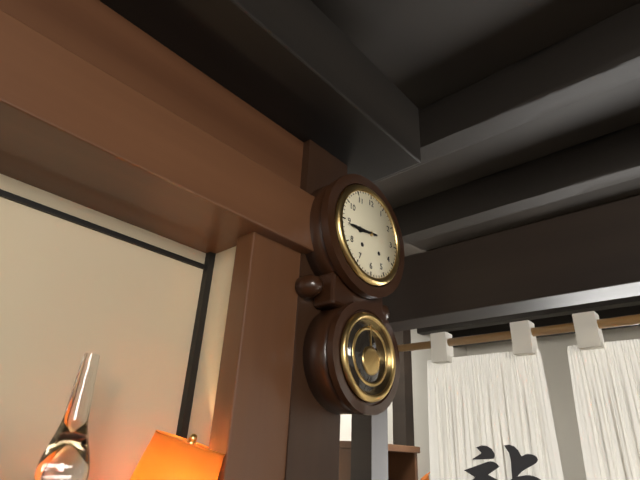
8.44
